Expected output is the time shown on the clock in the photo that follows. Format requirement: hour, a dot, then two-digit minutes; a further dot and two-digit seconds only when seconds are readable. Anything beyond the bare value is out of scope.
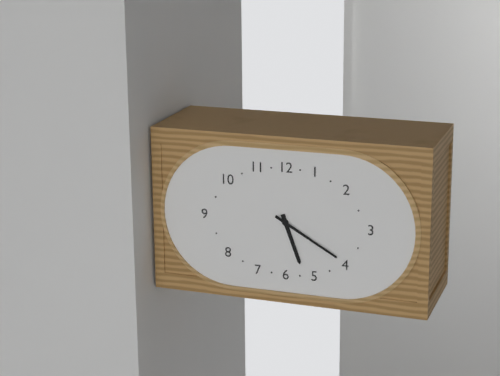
5.20
